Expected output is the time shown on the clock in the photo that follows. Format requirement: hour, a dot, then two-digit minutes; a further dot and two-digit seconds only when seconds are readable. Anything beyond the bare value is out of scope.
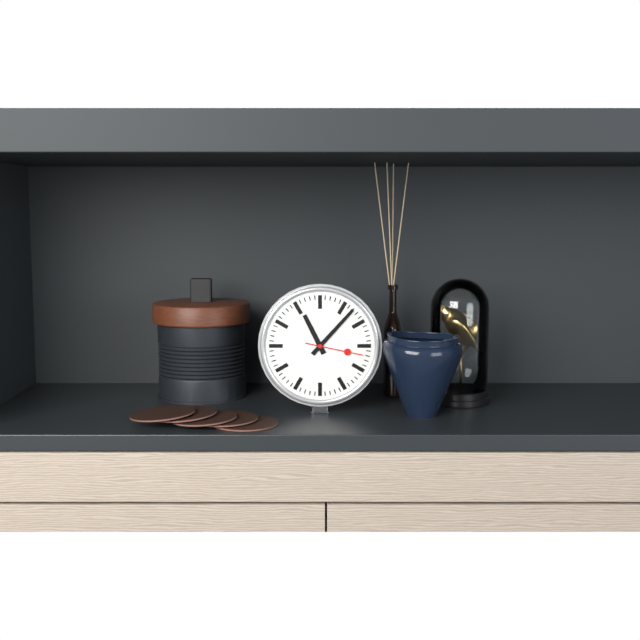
11.07.17
